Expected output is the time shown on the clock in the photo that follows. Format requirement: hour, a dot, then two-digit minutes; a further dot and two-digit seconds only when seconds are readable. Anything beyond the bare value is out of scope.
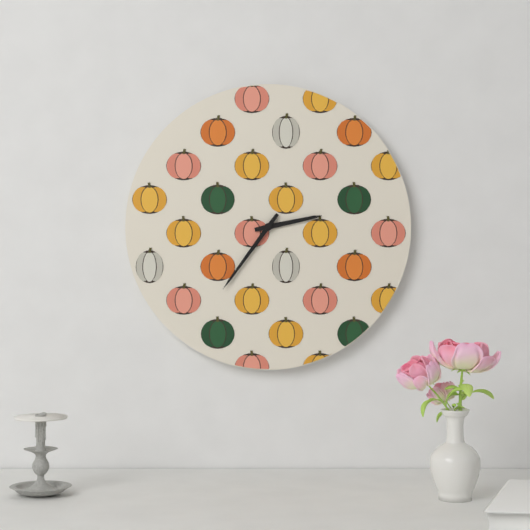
2.36
